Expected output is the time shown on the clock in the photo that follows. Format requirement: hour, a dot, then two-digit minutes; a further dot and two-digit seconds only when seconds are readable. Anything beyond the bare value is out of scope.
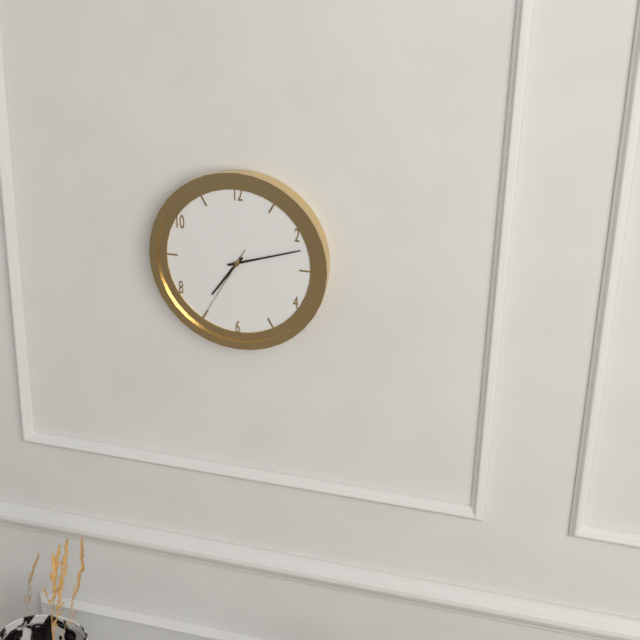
7.12.35
